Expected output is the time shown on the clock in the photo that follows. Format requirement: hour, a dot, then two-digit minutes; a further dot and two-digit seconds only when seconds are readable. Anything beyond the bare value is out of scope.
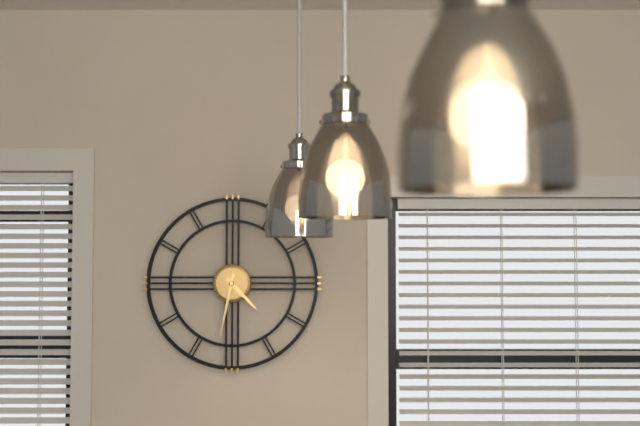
4.32
